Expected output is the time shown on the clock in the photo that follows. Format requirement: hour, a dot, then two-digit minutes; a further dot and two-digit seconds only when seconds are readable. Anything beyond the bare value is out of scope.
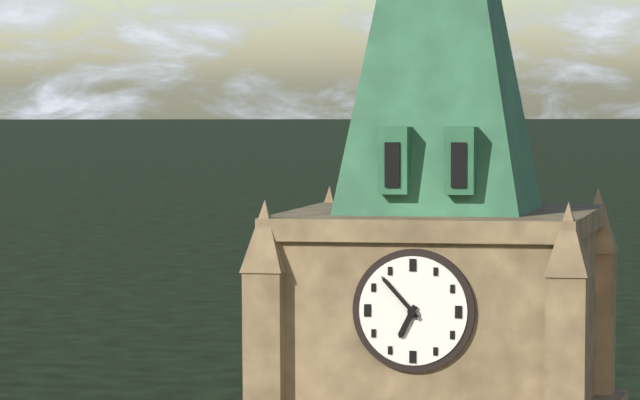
6.53
